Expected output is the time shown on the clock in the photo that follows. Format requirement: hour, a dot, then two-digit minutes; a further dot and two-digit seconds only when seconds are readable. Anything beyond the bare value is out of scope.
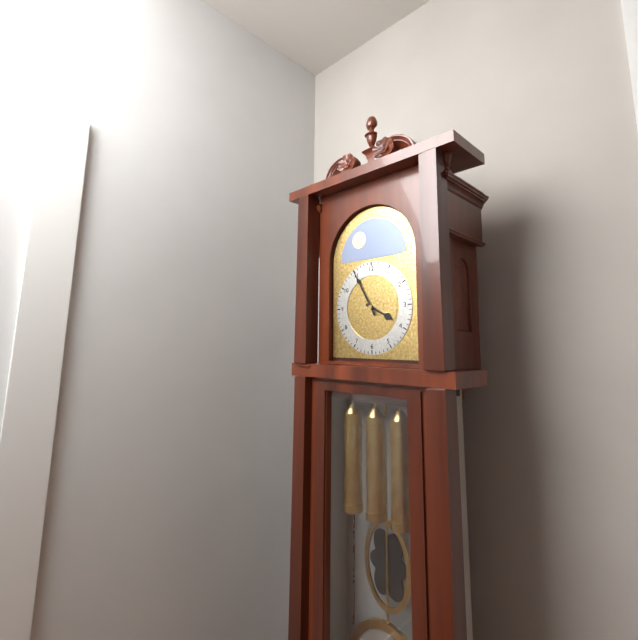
3.55
